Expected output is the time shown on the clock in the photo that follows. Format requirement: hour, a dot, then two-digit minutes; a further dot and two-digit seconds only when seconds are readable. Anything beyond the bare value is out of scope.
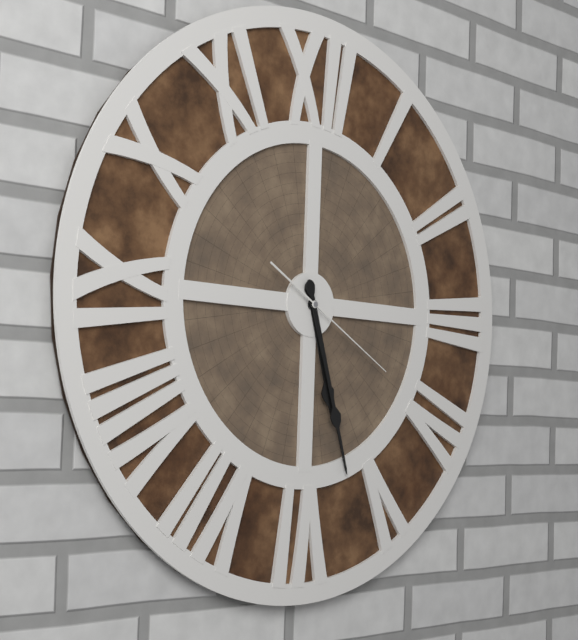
5.27.20
